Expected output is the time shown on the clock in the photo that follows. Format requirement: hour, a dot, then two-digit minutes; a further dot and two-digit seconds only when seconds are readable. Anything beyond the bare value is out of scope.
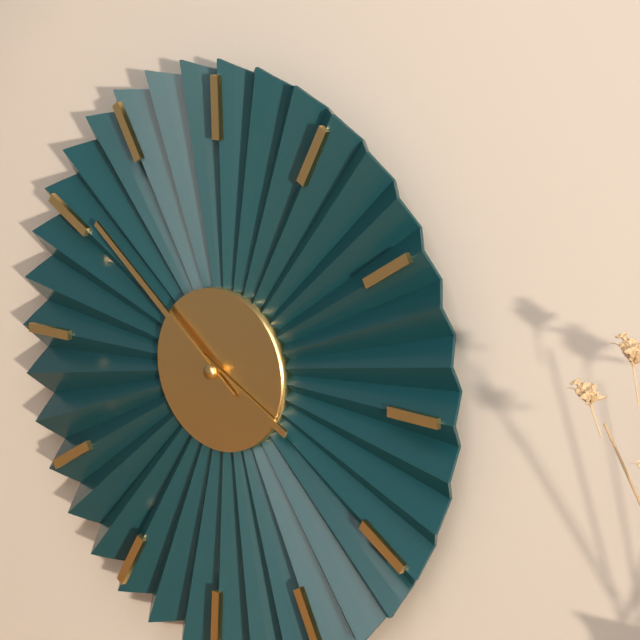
3.51
